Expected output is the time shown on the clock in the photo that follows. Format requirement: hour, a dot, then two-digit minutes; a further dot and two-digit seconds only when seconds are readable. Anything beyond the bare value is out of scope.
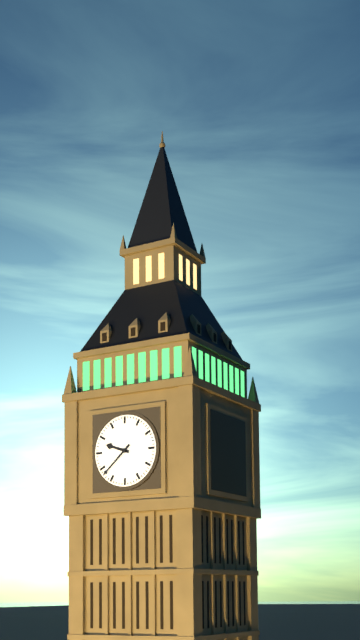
9.38
